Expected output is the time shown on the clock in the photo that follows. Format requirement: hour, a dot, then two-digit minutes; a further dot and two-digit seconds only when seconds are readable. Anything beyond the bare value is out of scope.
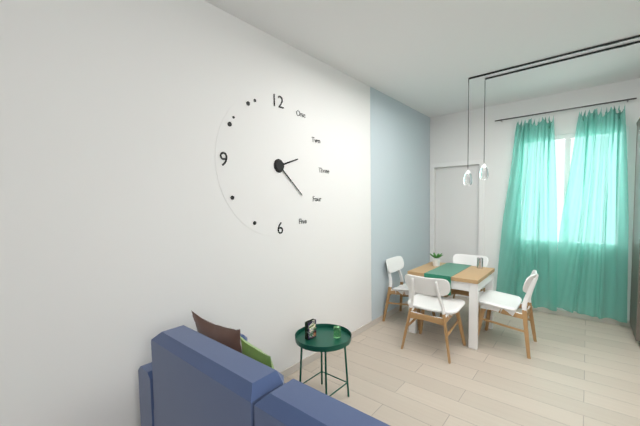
2.22
